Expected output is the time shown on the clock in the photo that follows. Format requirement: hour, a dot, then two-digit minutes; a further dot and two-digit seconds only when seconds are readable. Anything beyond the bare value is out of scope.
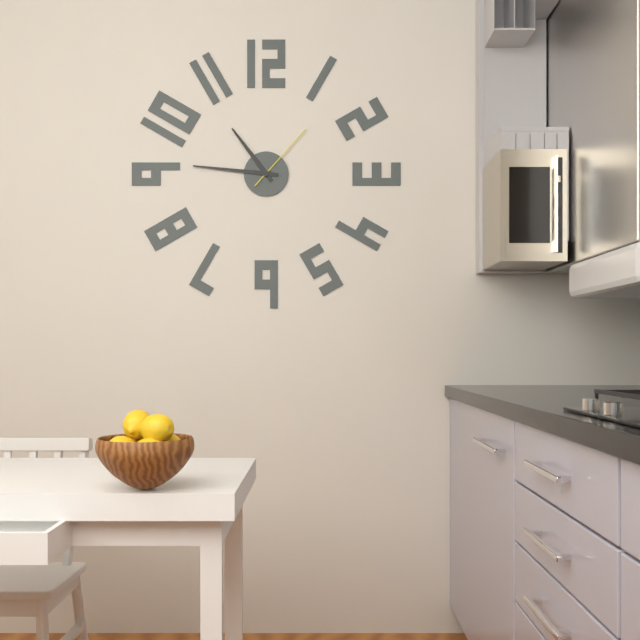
10.46.07
